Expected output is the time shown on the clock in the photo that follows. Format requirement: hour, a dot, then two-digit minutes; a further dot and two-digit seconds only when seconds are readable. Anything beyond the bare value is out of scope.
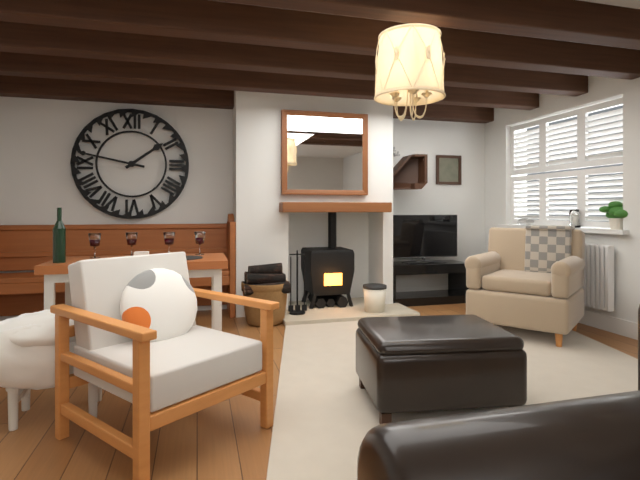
1.47
